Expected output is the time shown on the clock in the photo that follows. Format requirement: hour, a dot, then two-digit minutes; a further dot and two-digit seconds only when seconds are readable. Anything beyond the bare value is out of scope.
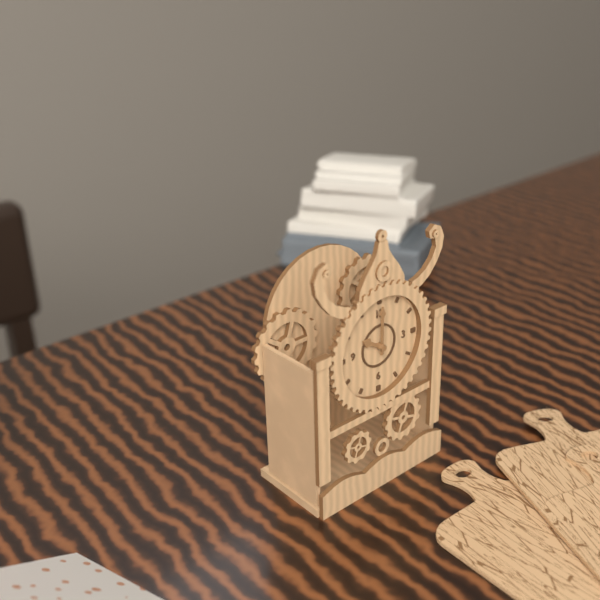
10.00
